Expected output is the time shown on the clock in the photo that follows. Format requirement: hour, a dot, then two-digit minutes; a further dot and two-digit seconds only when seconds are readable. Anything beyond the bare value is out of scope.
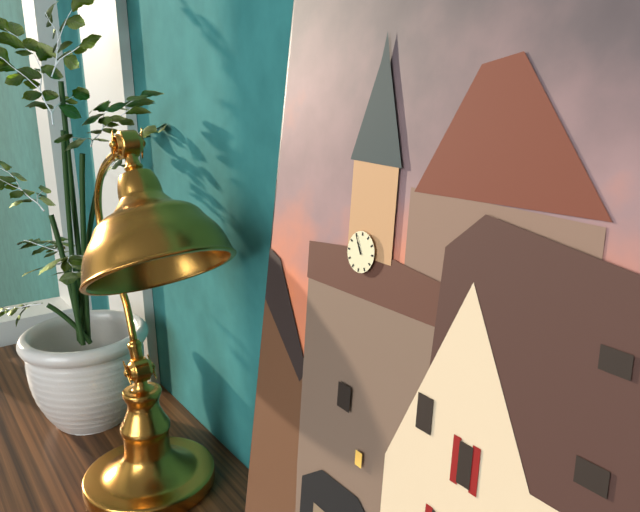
10.55
